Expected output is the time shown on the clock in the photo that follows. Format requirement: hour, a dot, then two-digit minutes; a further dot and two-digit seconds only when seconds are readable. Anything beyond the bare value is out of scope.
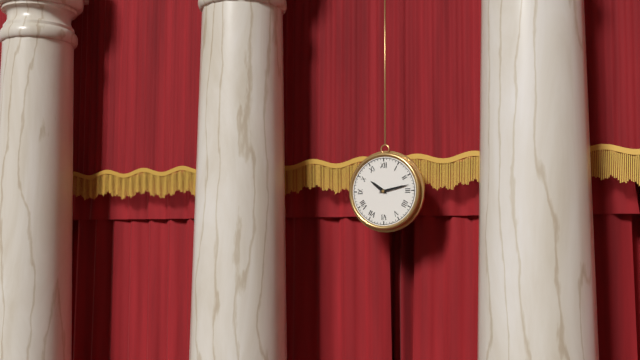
10.13
